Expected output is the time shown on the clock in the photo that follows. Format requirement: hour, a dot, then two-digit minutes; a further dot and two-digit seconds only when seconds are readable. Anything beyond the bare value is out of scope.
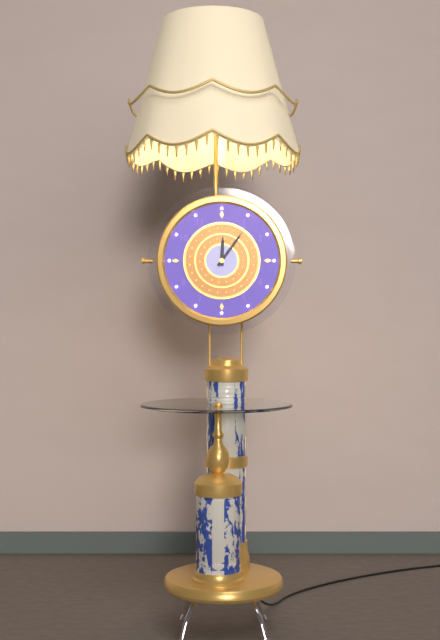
12.06
